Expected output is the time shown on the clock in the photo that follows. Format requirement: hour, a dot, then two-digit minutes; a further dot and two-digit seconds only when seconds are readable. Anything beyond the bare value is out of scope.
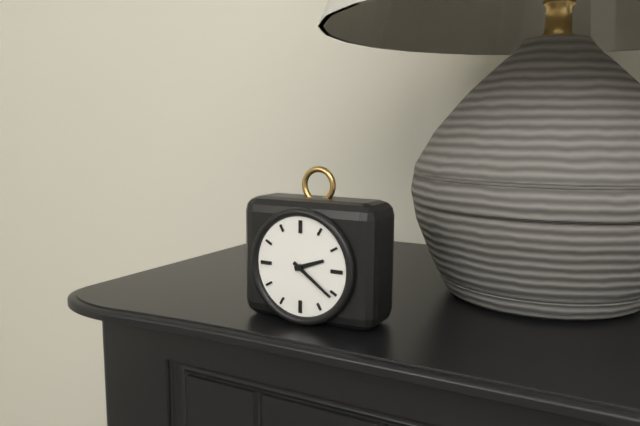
2.21
